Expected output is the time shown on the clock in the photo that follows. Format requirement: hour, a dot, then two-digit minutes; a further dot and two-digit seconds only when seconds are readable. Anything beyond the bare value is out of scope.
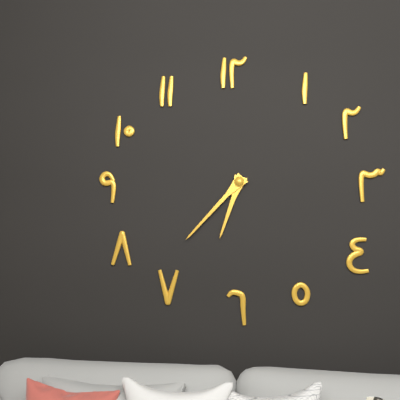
6.37
